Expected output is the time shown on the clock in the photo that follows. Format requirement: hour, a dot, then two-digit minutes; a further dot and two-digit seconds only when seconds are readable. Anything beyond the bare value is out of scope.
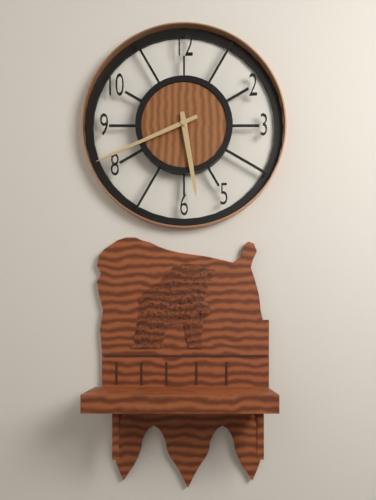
5.41
